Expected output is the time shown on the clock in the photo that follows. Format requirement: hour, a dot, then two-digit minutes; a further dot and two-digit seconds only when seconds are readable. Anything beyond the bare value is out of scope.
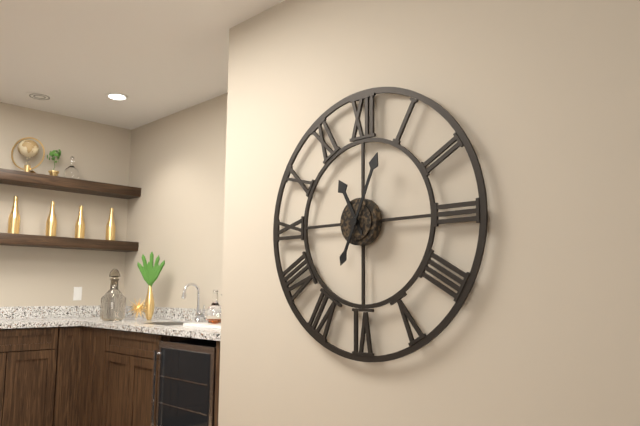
11.04
